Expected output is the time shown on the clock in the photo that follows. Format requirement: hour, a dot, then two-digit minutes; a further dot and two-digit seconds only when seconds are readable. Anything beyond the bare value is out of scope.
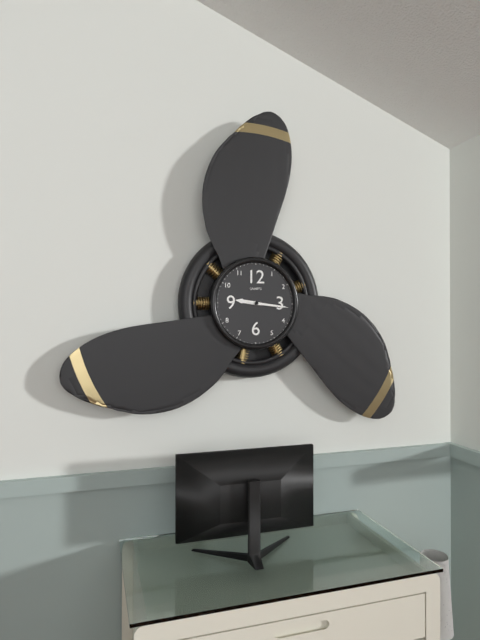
9.16
